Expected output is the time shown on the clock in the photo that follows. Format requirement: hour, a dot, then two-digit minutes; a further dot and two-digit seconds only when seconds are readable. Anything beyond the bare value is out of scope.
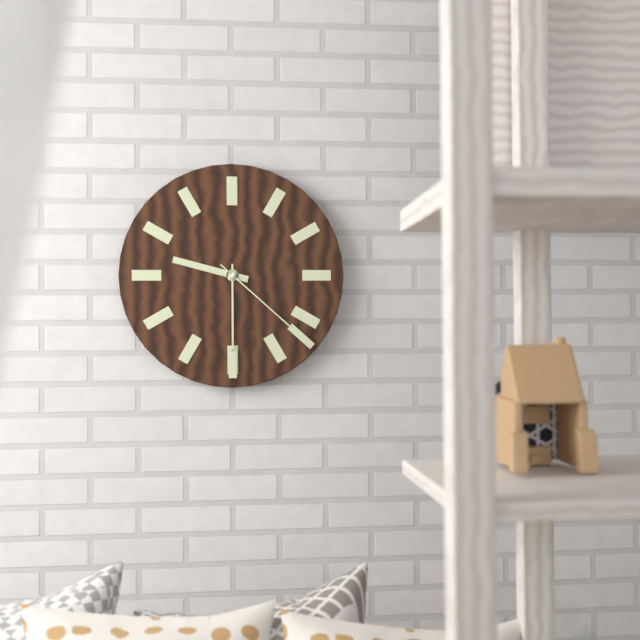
9.30.22
